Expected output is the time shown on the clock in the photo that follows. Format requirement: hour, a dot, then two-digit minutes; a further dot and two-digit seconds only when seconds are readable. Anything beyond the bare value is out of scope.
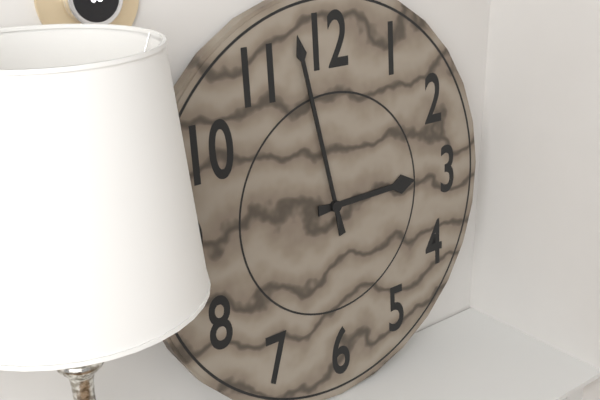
2.58
